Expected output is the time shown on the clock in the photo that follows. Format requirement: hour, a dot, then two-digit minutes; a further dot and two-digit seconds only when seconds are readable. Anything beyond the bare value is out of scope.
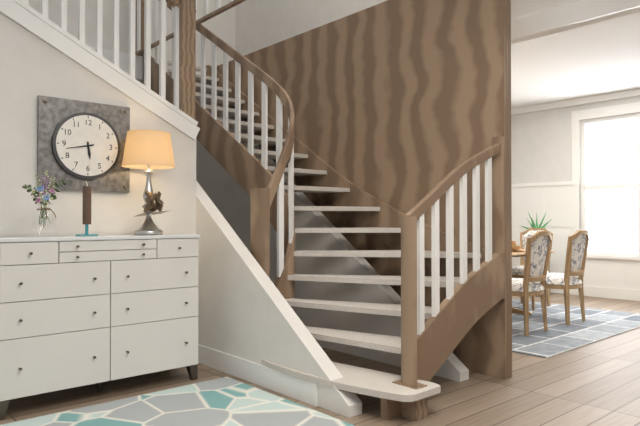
5.43
